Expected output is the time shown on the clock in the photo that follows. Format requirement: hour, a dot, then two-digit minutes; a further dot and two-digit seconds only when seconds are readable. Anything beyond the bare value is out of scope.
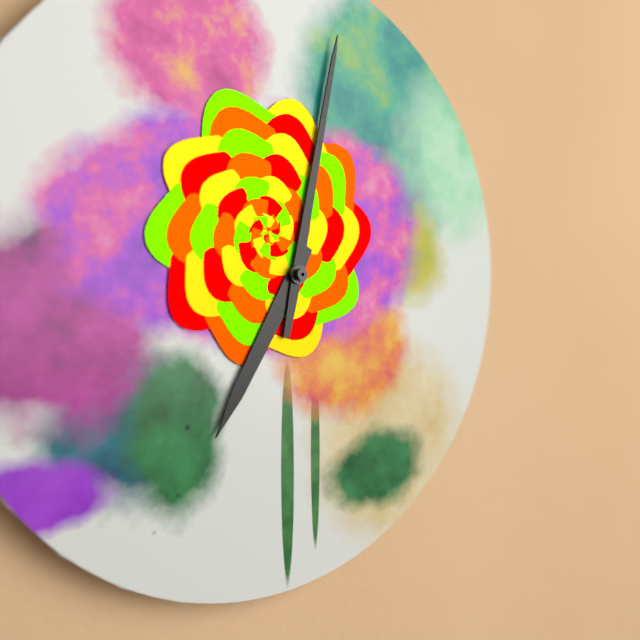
7.02
